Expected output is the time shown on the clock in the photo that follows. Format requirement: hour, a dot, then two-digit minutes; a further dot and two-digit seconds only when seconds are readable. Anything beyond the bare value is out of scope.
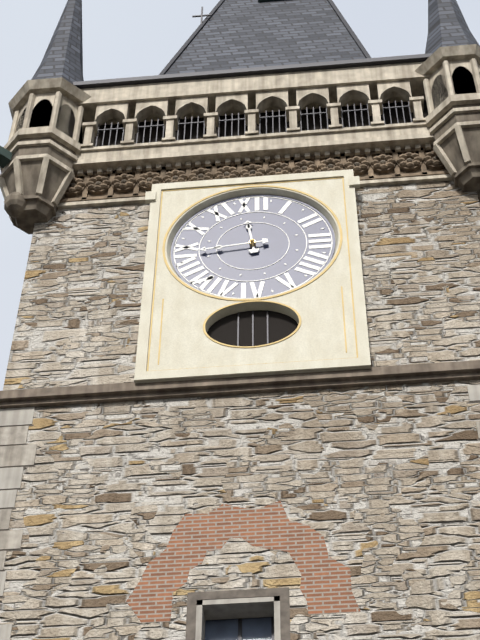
11.44
